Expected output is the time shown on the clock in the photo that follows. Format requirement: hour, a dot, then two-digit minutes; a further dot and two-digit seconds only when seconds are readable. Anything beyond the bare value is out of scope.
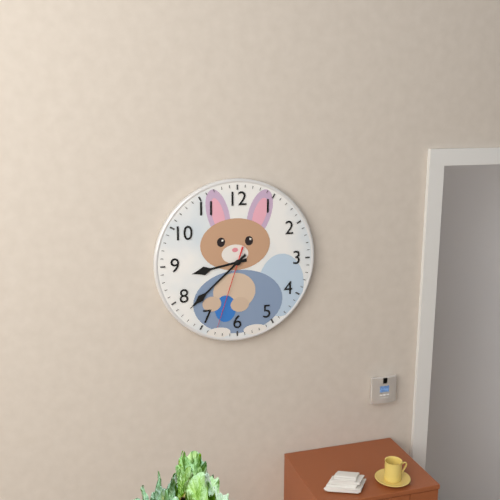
8.38.33
